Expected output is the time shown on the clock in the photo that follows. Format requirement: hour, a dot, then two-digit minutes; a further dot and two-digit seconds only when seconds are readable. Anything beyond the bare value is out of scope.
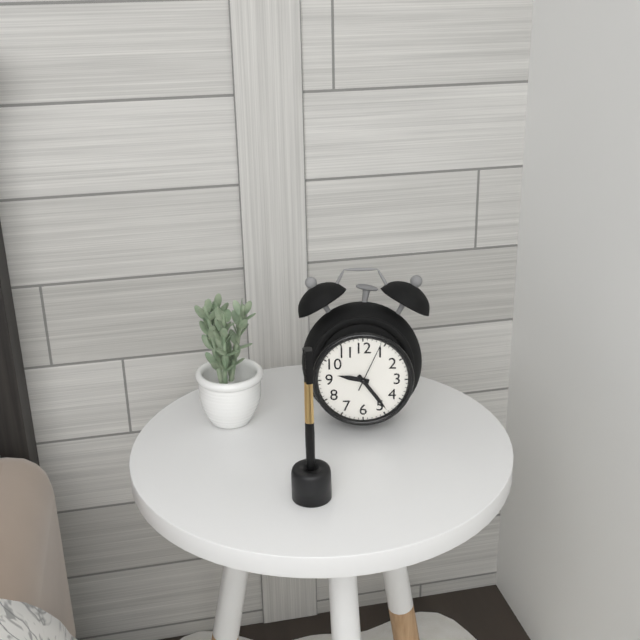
9.24.04
